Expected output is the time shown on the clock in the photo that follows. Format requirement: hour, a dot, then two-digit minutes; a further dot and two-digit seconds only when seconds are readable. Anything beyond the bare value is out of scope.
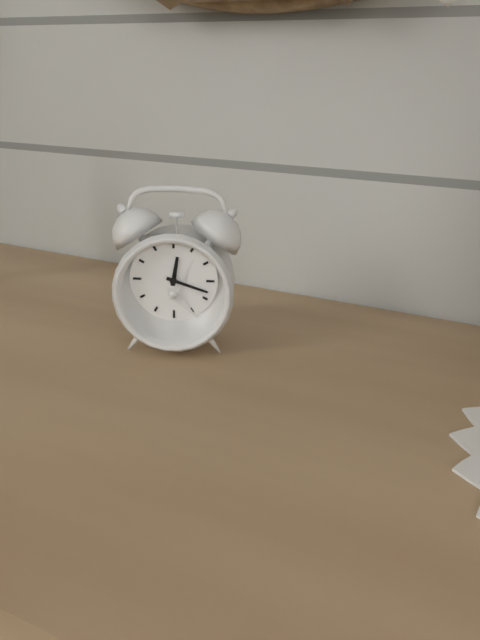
12.18
